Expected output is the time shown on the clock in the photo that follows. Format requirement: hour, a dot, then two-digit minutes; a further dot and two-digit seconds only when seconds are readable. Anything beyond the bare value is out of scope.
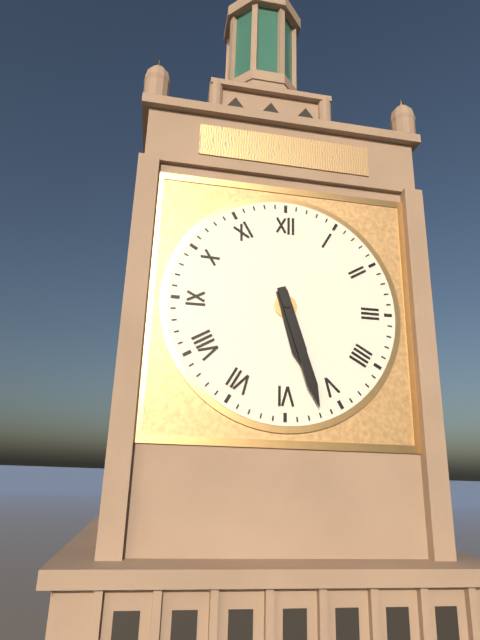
5.27
